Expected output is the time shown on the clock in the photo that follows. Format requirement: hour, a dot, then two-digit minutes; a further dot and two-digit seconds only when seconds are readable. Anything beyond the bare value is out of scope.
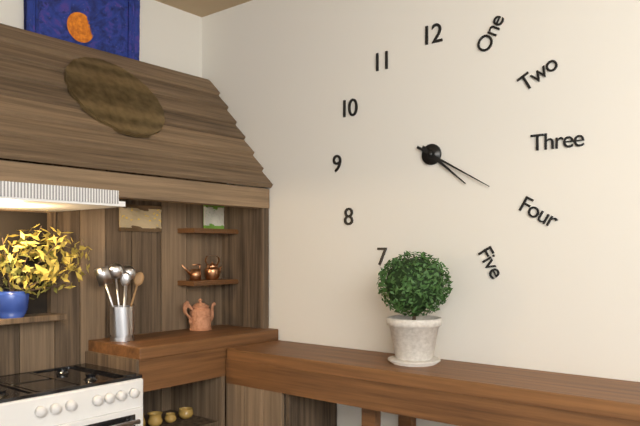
4.20
